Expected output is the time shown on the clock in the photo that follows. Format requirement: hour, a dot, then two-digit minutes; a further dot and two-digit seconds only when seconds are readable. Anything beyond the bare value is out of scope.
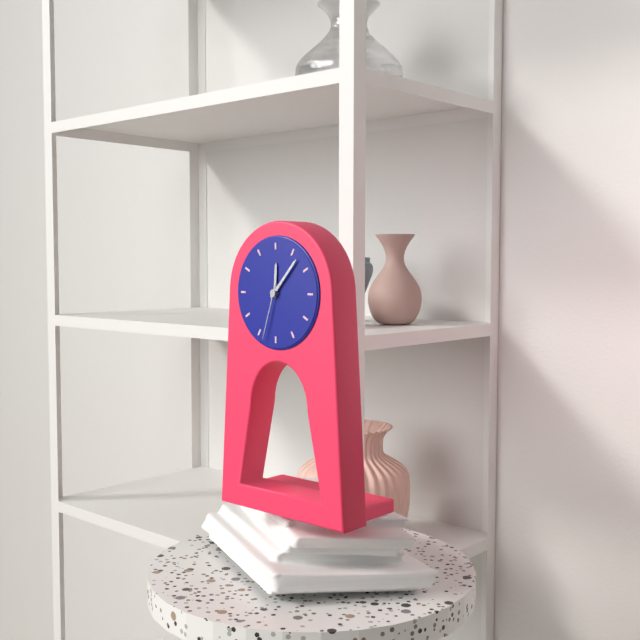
12.07.33
